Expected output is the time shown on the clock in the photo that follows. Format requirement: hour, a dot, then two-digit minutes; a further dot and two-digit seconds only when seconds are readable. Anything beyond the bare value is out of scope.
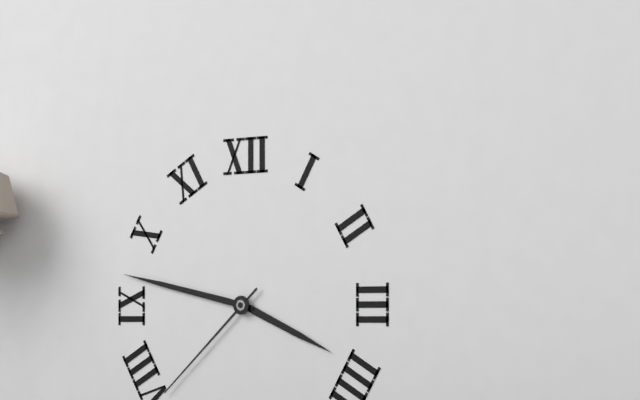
3.47.38
